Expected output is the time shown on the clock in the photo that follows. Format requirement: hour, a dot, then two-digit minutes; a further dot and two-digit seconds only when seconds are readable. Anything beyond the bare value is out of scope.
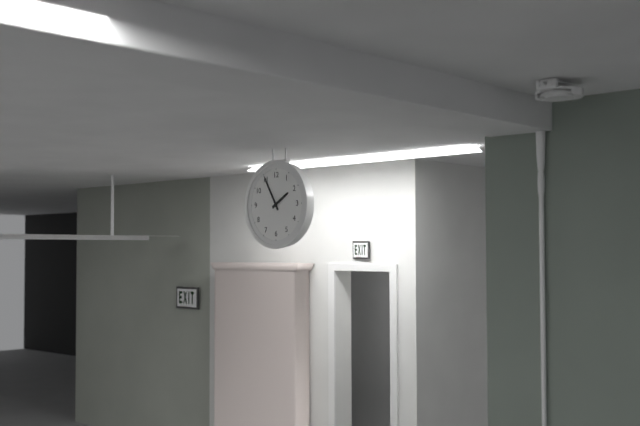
1.55
